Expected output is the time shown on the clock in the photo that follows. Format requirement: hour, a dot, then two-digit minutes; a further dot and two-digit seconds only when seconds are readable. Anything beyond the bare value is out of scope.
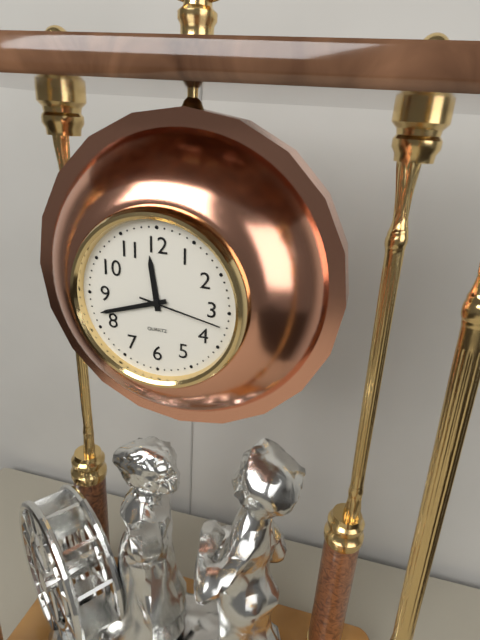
11.42.17
